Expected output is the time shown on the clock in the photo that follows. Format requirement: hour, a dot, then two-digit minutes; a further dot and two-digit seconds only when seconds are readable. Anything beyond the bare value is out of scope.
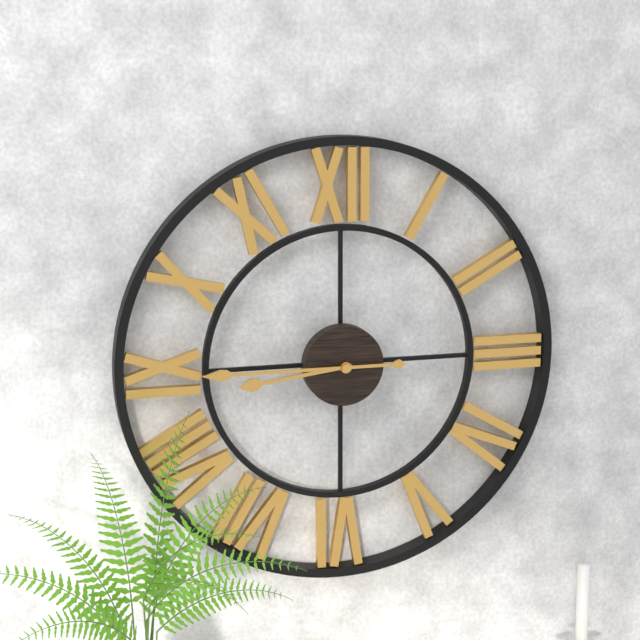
8.45
